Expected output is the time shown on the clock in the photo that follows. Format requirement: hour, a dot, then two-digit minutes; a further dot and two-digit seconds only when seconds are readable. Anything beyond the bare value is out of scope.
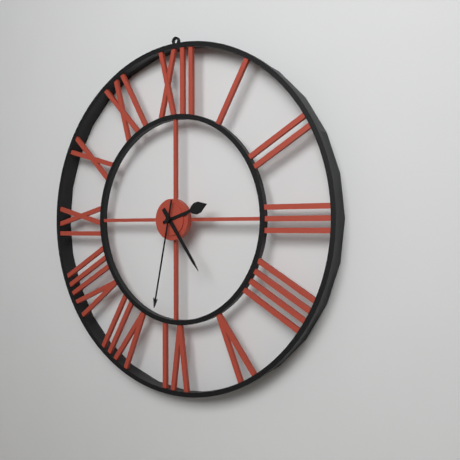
2.24.32
